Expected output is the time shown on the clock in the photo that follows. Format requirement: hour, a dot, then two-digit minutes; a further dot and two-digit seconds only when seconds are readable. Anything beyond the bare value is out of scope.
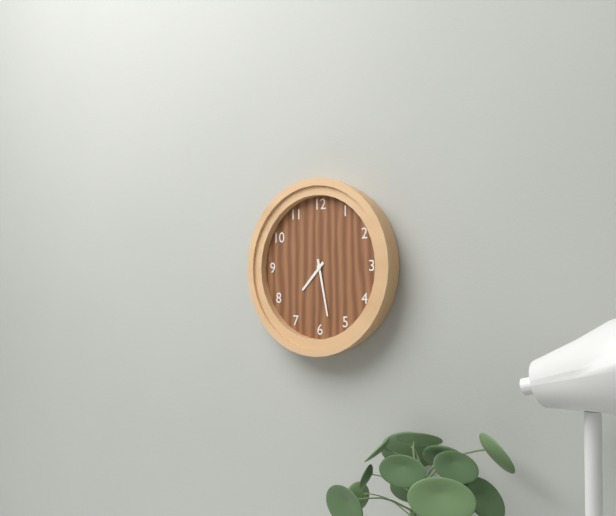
7.28
